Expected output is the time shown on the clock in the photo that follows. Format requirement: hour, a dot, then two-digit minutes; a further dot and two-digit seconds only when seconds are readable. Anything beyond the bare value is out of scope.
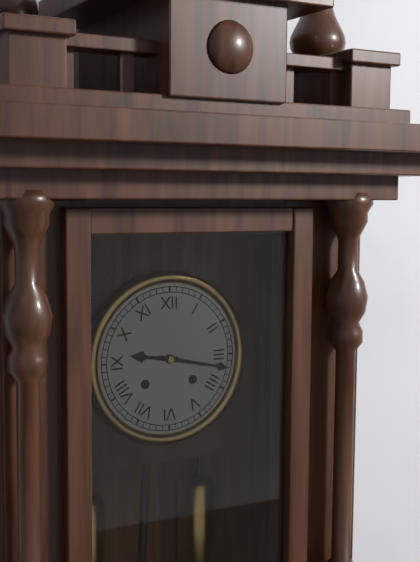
9.17
